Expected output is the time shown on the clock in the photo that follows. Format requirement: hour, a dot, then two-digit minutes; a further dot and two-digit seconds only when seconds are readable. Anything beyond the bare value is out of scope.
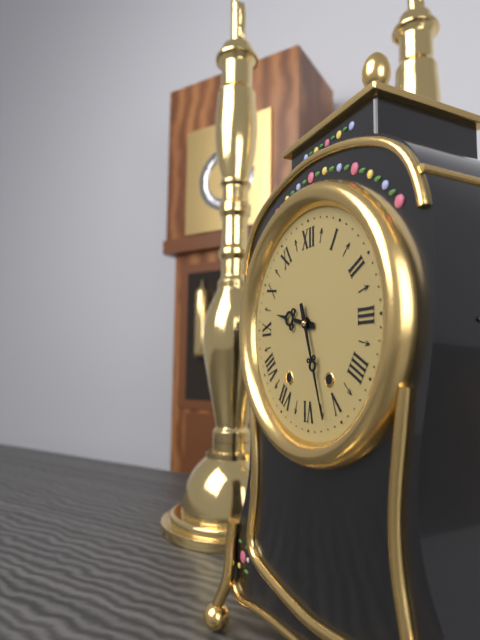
9.27
